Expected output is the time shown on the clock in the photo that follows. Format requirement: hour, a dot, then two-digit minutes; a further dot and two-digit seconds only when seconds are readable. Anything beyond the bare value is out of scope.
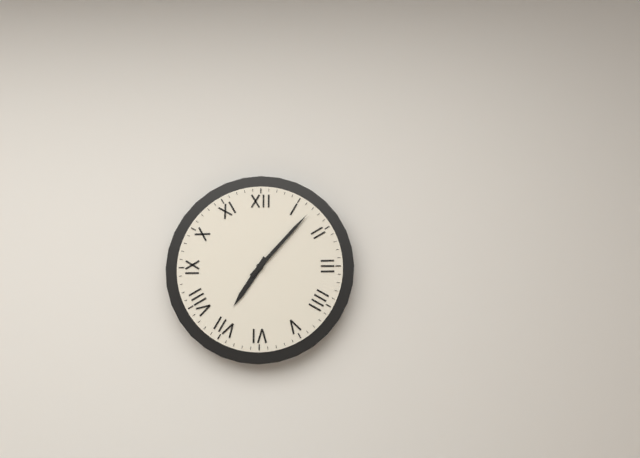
7.07
